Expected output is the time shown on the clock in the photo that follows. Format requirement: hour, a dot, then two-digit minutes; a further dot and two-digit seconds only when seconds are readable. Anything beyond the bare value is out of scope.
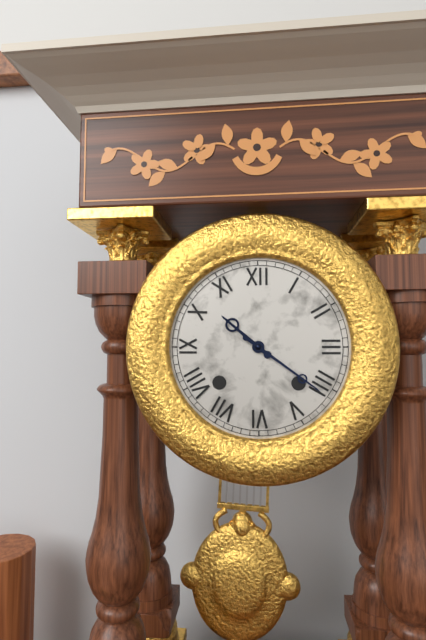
10.21
